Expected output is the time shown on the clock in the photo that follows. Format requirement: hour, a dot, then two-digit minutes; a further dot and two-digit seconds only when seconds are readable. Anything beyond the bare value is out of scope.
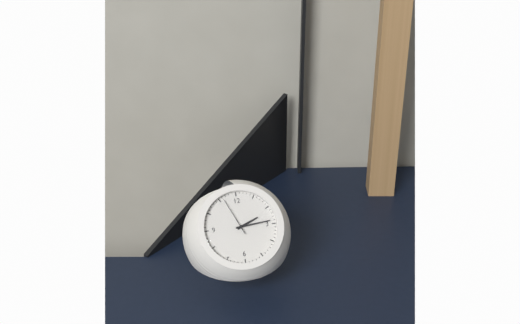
2.14
